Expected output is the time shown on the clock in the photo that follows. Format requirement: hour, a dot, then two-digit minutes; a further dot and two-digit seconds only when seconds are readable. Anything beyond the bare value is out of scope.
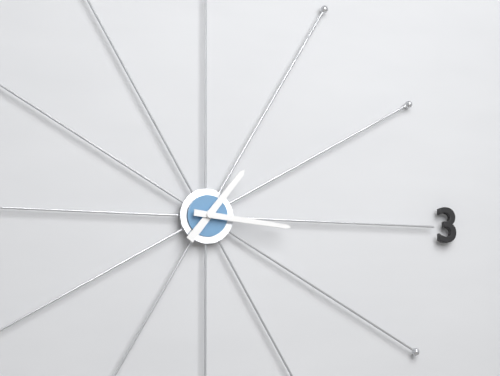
1.16
